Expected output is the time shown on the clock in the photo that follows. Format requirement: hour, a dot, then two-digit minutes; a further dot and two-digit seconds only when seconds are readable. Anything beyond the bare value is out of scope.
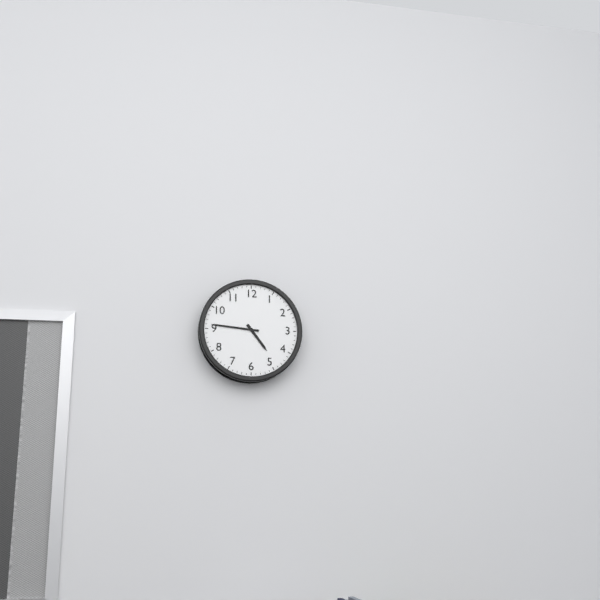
4.46
